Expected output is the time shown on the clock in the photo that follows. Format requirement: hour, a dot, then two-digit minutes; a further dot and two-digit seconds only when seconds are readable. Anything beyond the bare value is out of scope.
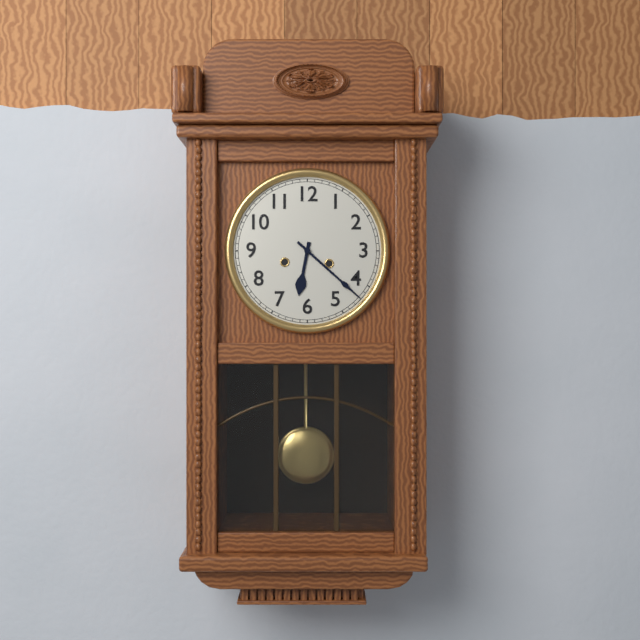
6.22
